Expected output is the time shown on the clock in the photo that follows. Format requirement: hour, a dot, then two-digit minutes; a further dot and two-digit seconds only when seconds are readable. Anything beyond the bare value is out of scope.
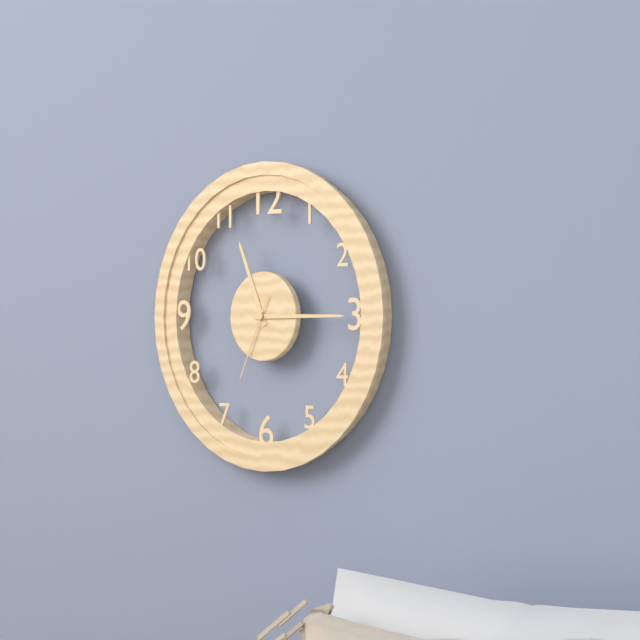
11.15.34
